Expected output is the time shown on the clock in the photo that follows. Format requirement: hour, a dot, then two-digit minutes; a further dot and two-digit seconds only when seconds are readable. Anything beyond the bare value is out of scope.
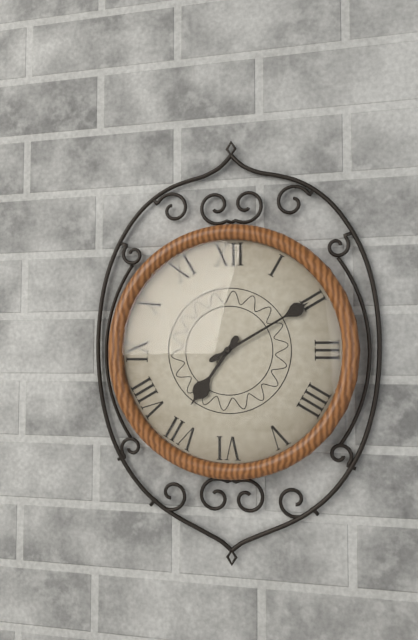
7.10
